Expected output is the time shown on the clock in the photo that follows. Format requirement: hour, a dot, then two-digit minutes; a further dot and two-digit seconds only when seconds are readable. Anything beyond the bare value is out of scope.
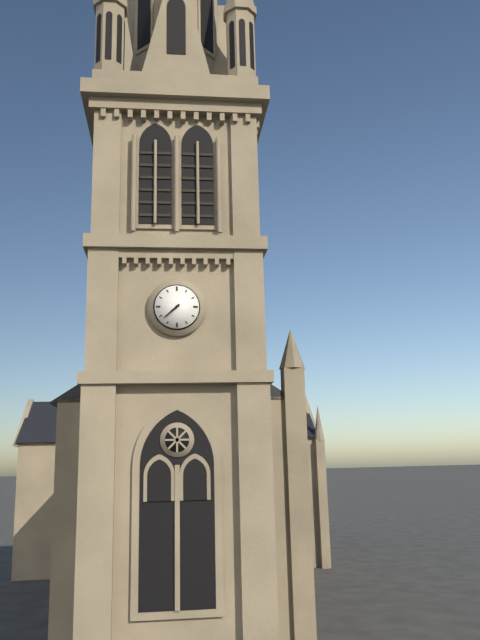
7.38
